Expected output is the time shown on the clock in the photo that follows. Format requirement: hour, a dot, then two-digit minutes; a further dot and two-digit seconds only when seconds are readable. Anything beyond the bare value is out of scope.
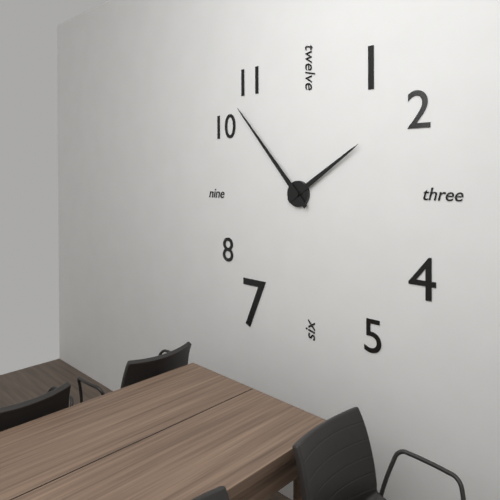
1.53
